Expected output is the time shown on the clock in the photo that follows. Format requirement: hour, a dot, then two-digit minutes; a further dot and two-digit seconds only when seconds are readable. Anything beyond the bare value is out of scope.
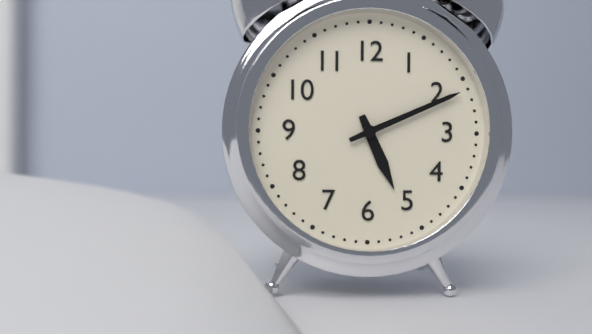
5.11
